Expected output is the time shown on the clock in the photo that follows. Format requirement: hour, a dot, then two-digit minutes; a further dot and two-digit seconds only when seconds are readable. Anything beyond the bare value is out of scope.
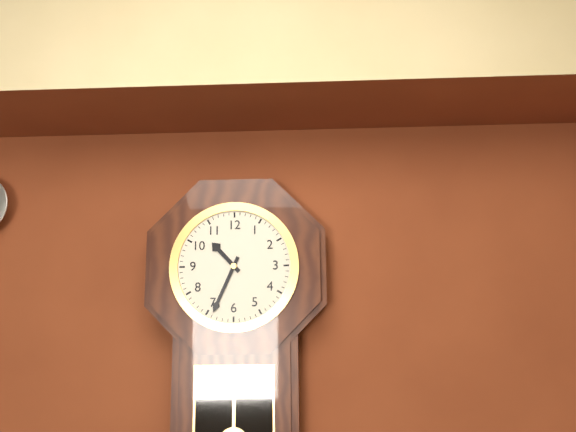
10.34
